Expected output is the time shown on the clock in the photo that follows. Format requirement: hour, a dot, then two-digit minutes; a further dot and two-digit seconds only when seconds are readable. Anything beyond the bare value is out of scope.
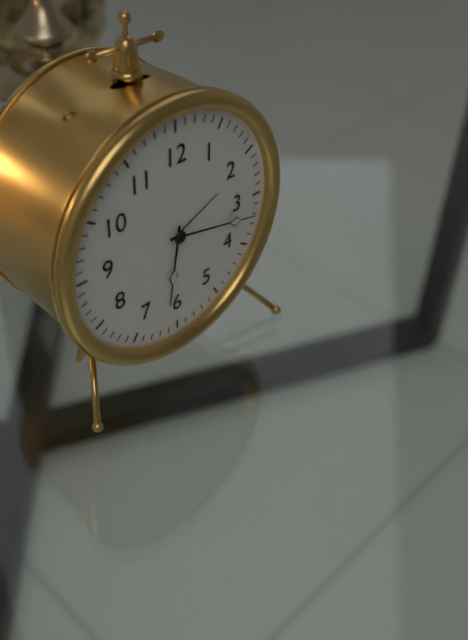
6.17
